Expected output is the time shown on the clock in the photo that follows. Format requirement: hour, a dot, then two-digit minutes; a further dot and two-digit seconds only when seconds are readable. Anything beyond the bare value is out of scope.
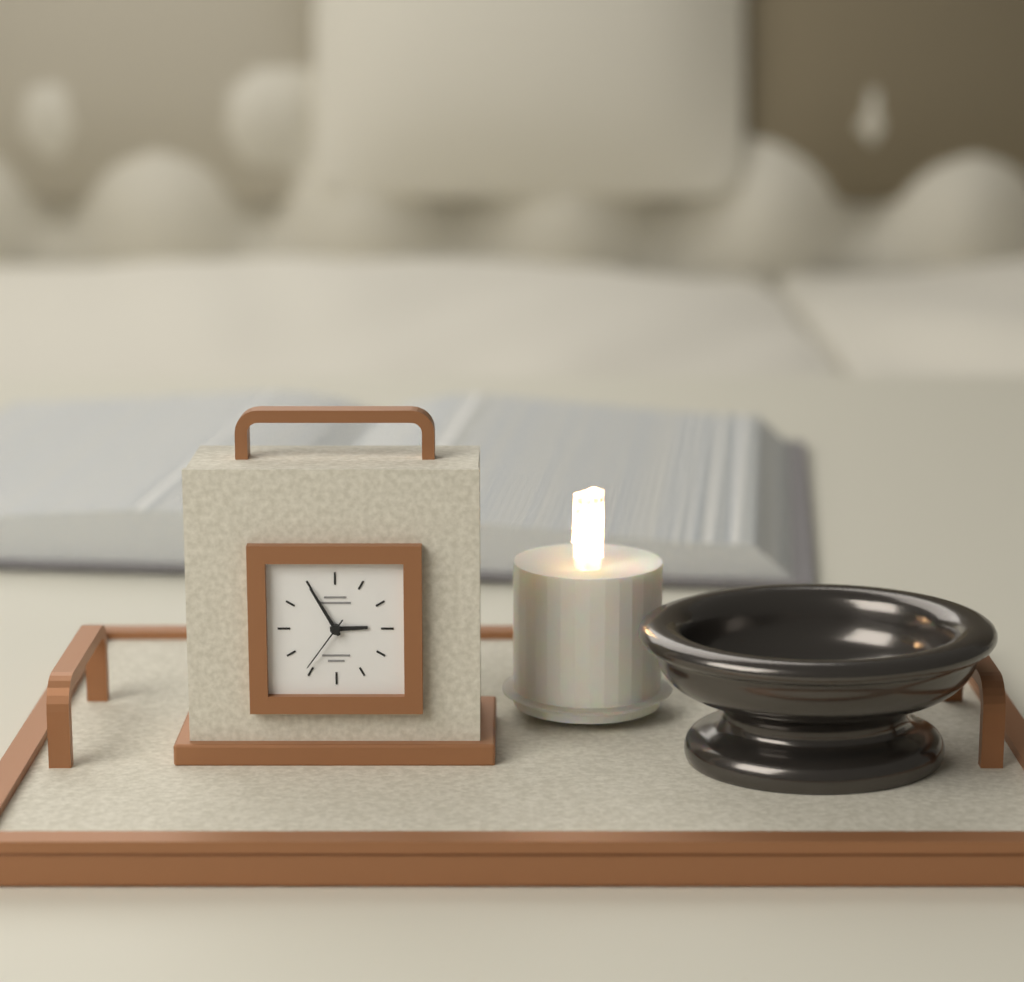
2.55.36
